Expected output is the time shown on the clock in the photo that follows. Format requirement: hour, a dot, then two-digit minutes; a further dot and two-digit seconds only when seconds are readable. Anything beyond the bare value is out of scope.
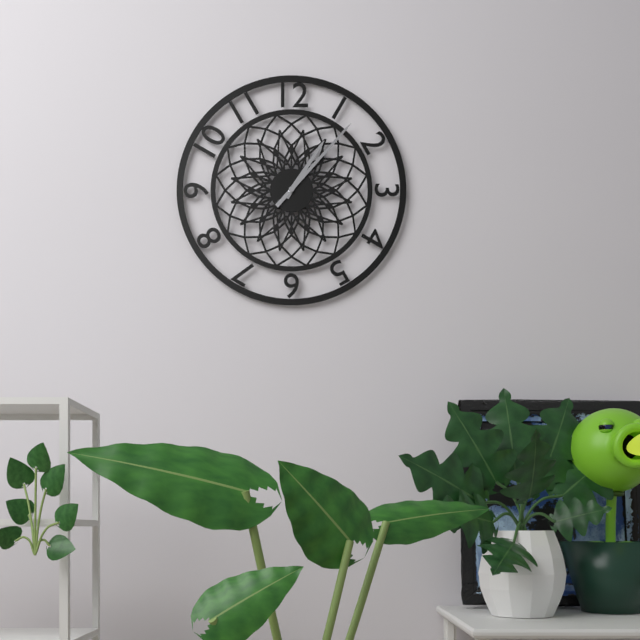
1.07
